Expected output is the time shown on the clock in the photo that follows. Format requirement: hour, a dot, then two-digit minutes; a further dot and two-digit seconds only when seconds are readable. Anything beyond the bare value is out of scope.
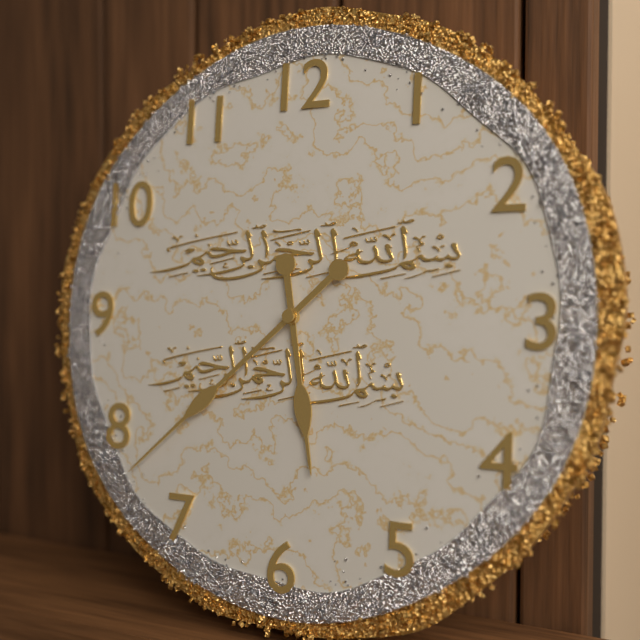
5.38
